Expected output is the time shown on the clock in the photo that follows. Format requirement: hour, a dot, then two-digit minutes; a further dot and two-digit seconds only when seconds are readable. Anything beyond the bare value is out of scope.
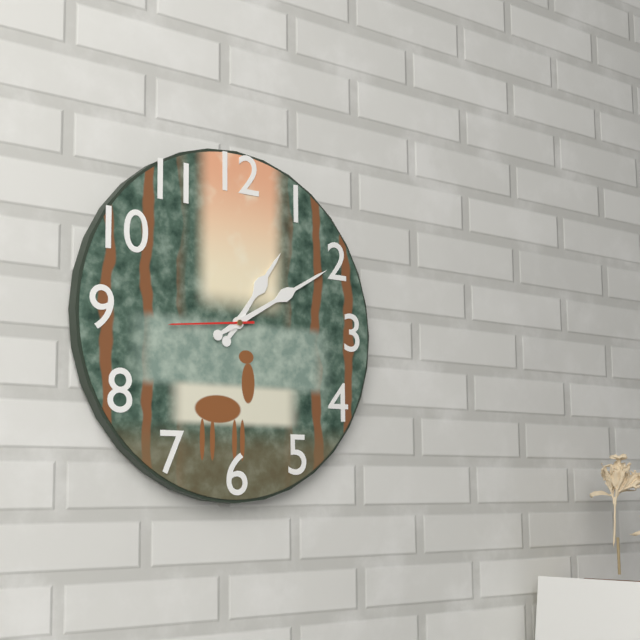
1.10.44
